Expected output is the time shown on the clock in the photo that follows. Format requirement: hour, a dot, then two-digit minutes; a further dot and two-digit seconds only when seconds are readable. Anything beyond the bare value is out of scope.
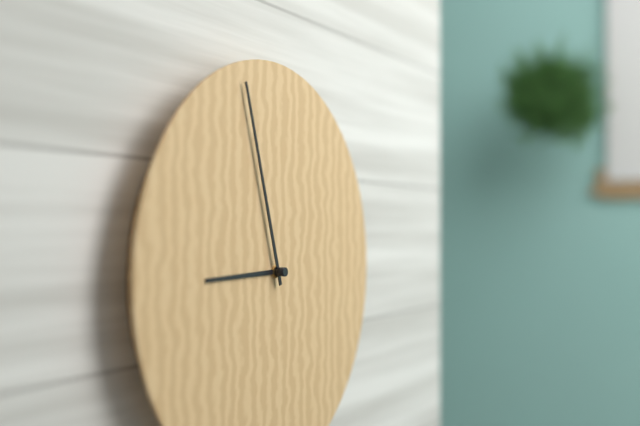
8.57
